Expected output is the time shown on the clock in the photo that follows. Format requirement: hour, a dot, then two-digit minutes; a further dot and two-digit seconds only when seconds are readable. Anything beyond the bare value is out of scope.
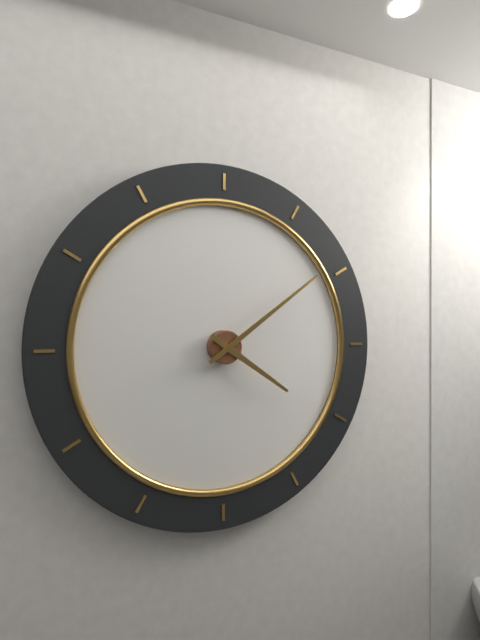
4.09
